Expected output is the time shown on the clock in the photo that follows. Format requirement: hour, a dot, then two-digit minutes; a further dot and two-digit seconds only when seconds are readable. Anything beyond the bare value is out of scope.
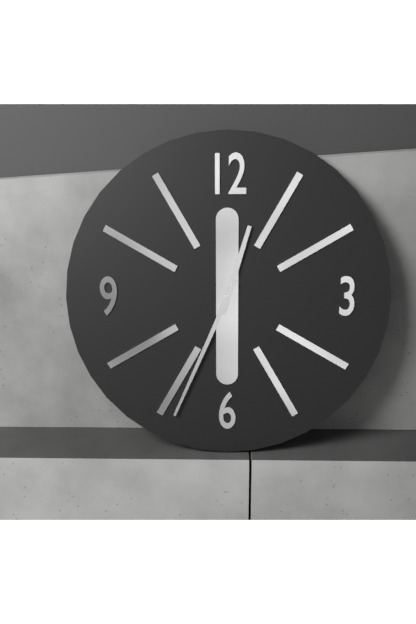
12.34
